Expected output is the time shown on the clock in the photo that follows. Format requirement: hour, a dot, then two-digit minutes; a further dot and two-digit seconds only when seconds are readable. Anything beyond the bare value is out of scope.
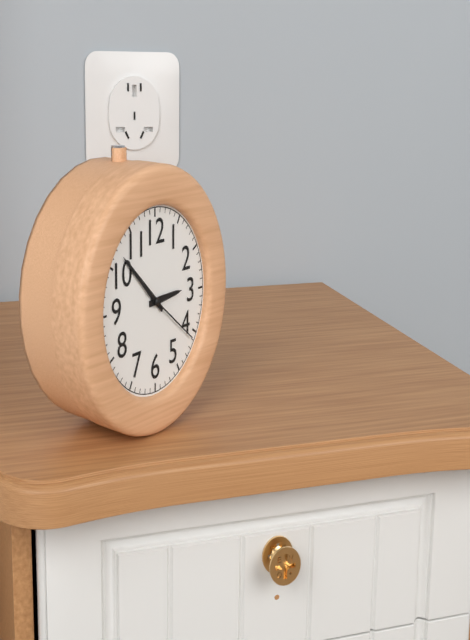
2.52.21
